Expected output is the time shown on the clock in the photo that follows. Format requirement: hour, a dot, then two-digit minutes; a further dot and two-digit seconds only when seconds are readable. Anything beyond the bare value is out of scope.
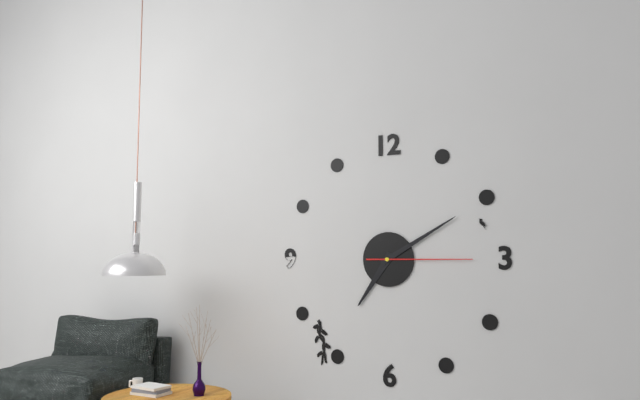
7.10.15
